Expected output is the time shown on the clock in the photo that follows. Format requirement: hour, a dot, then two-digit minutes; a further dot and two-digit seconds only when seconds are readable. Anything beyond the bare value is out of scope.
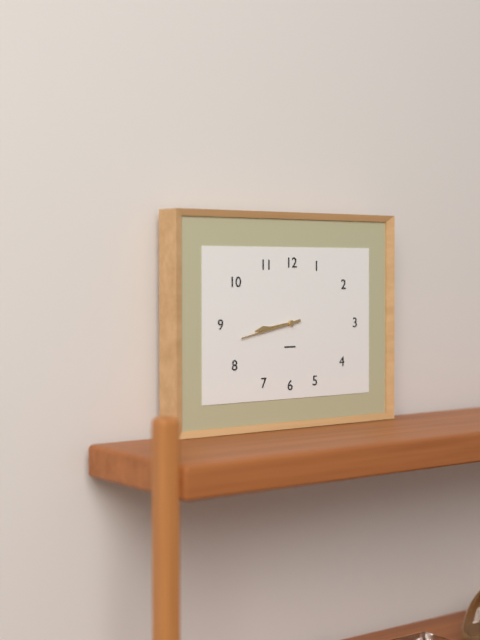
8.43
